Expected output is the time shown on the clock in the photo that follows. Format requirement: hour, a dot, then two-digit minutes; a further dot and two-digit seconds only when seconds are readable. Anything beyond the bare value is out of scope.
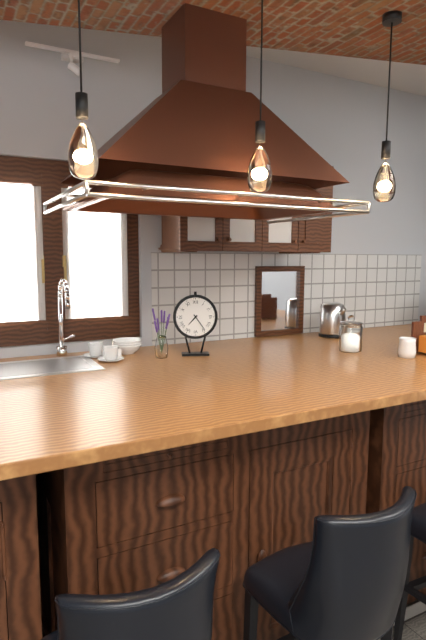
7.24
